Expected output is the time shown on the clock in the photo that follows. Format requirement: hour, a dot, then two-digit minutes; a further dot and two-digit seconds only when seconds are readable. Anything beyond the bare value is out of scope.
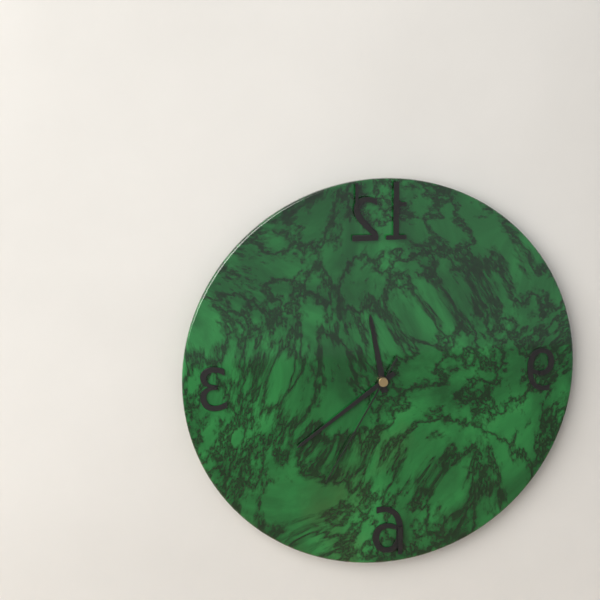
11.39.35
